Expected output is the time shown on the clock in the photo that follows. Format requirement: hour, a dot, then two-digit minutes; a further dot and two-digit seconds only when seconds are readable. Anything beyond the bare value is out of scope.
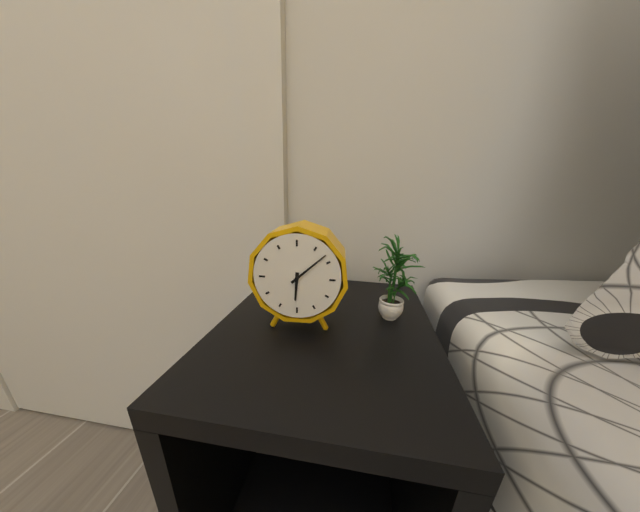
6.08
